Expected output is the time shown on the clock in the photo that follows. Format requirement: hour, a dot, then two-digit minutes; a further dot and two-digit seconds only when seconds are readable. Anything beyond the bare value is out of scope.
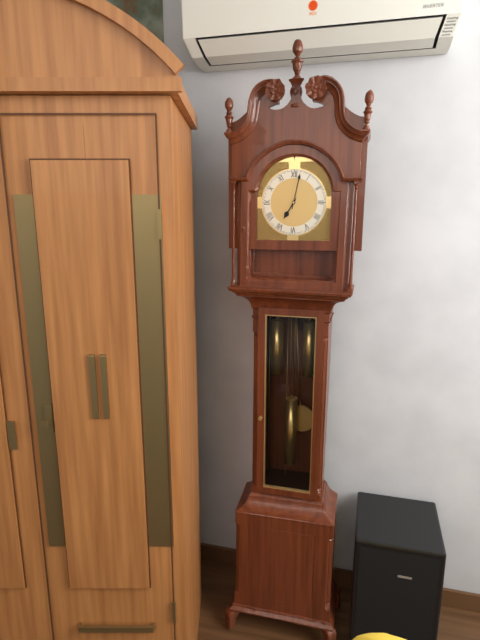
7.02
